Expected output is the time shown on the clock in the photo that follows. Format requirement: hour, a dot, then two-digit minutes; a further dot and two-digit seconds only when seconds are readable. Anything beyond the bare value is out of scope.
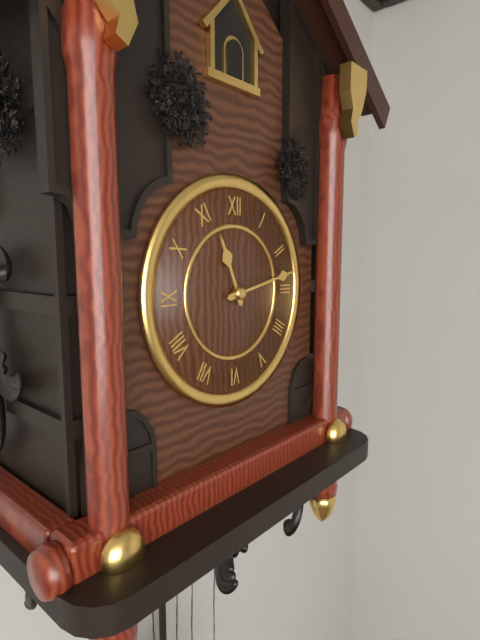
11.13
